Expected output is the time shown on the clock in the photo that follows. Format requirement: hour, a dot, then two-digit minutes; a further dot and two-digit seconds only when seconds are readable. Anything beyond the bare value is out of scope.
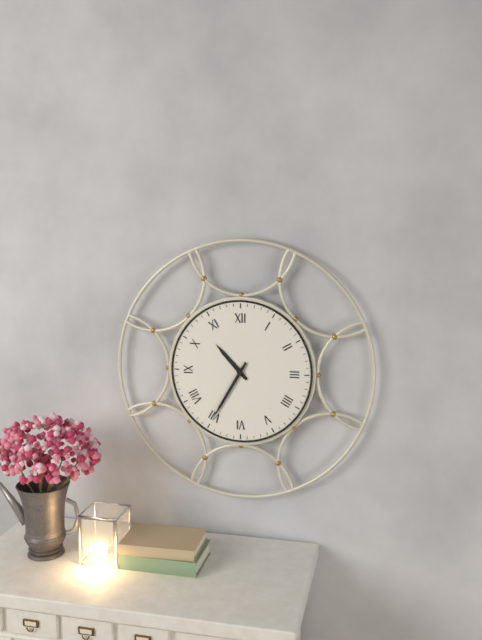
10.35
